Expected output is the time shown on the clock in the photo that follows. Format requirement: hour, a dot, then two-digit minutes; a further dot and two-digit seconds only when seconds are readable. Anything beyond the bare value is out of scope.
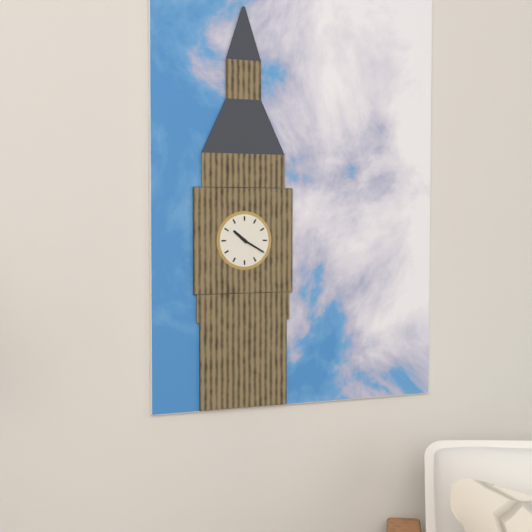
10.20
